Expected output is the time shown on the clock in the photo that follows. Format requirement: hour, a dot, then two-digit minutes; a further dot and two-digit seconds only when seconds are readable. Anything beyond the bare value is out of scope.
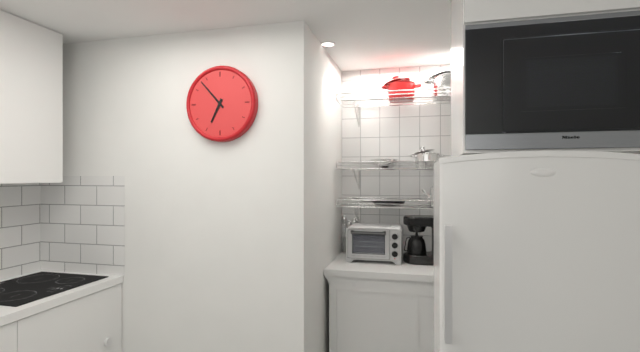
6.53
